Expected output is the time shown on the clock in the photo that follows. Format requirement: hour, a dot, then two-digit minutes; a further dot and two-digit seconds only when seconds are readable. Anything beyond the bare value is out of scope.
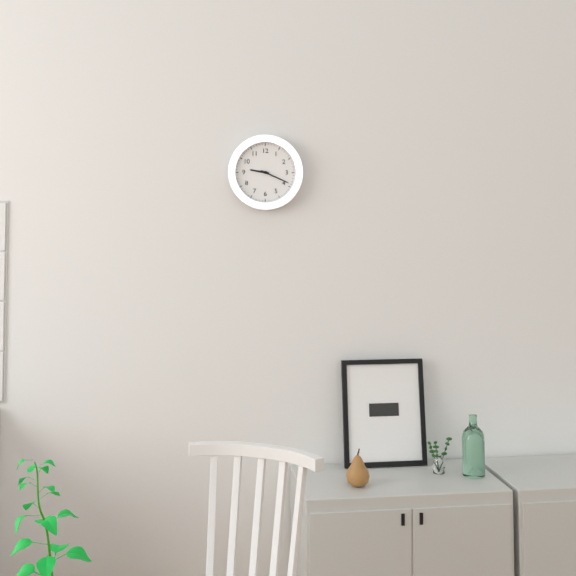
9.19
